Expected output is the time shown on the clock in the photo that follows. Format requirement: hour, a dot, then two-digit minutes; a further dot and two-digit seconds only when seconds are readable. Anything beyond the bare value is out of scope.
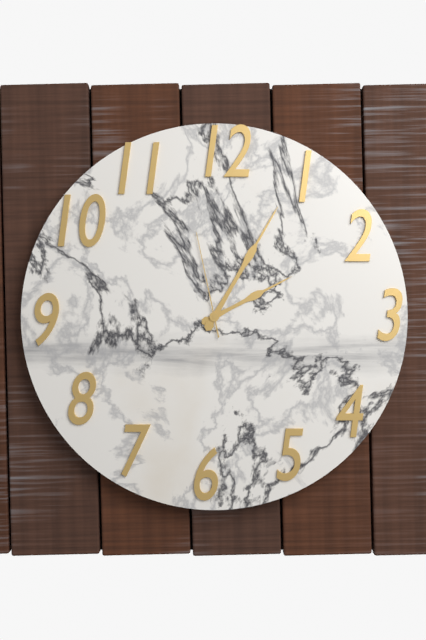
2.05.58
